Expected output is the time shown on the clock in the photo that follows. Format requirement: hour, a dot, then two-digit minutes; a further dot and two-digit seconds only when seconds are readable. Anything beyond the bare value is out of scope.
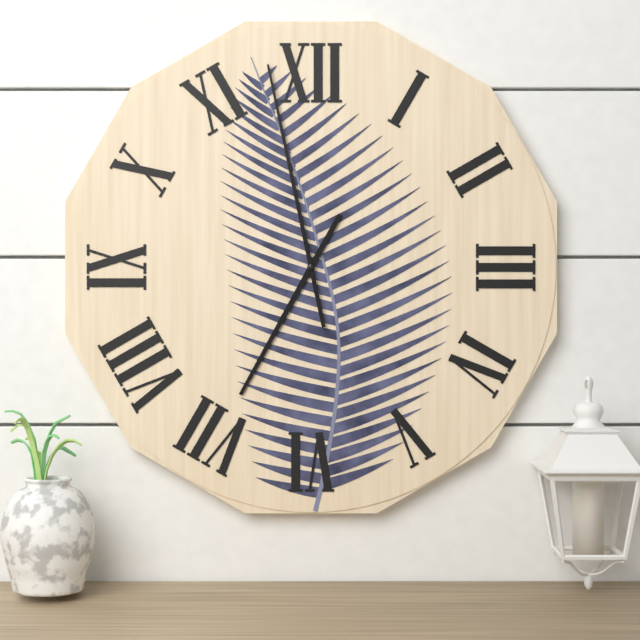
6.58
